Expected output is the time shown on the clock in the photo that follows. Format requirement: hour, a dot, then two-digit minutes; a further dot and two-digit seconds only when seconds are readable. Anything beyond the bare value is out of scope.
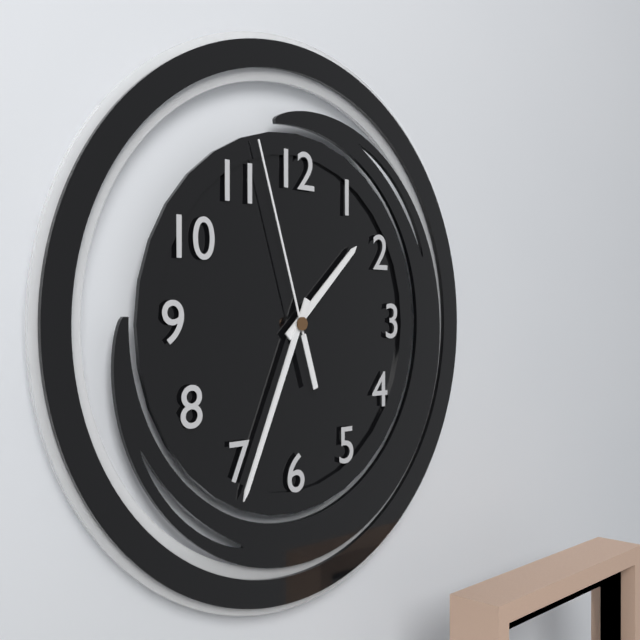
1.34.57
